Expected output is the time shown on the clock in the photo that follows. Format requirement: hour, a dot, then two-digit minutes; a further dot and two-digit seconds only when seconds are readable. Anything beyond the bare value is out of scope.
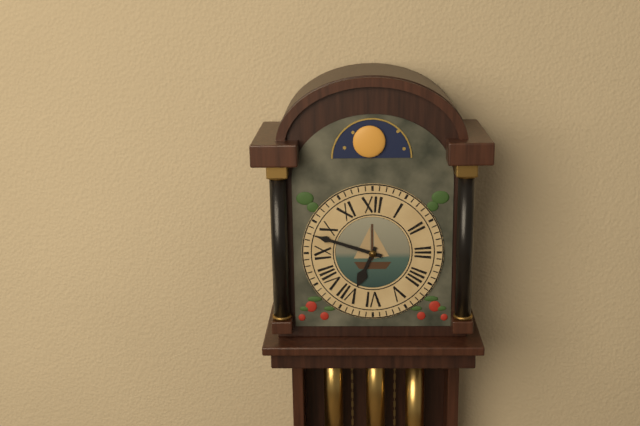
6.48
